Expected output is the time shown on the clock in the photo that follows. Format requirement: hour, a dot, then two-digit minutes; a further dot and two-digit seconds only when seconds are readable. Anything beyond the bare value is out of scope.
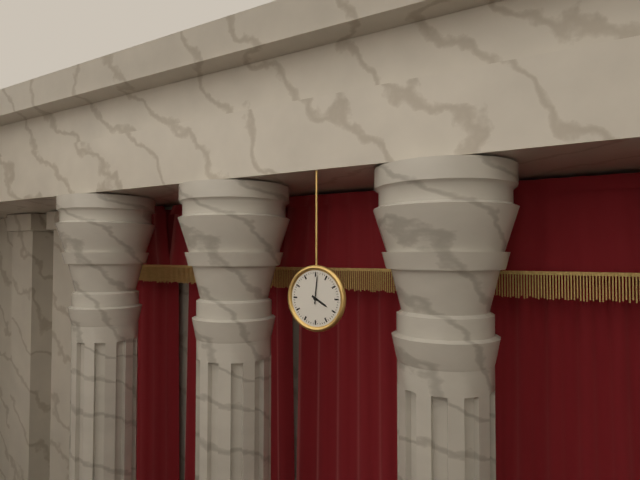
4.01
